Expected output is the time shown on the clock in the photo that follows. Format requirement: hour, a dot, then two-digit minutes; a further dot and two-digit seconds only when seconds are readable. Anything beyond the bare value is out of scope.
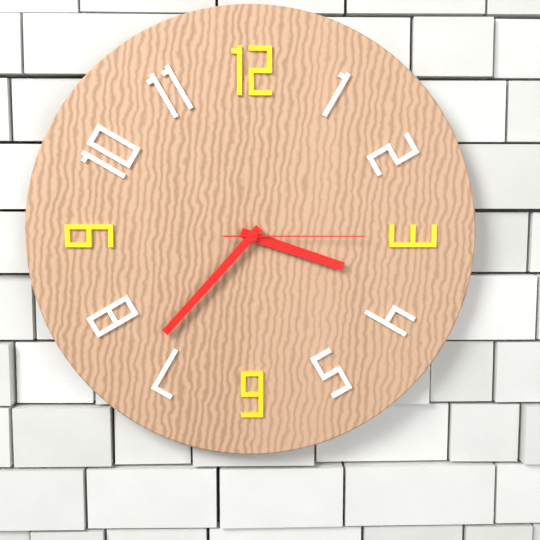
3.37.15
